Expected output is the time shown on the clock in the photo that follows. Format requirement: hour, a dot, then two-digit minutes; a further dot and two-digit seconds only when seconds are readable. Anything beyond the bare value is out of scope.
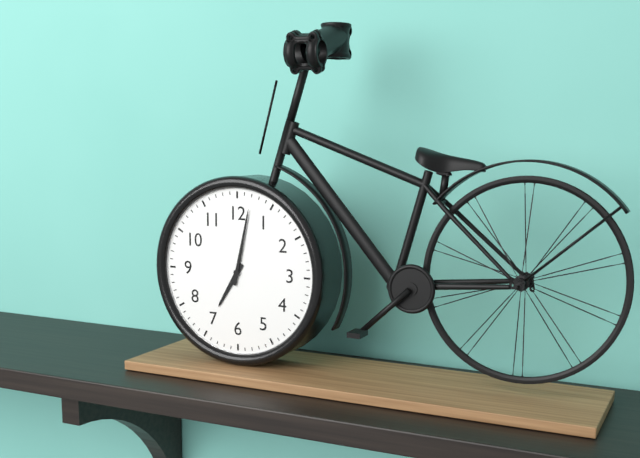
7.02
